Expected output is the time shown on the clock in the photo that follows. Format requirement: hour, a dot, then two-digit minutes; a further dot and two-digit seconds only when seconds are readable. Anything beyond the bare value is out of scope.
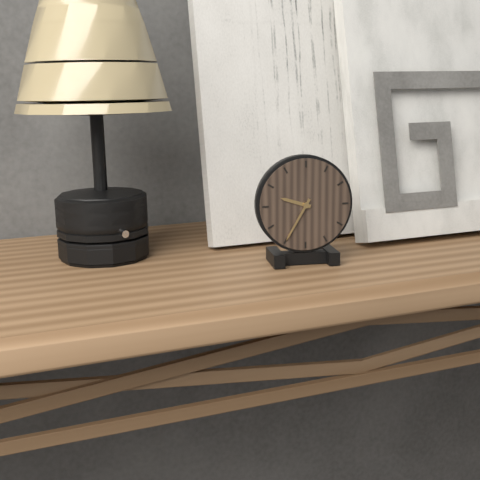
9.35
